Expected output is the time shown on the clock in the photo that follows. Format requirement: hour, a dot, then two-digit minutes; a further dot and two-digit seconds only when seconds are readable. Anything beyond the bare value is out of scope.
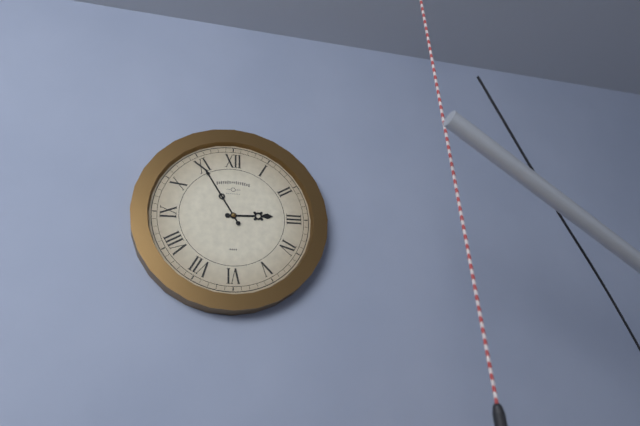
2.55
